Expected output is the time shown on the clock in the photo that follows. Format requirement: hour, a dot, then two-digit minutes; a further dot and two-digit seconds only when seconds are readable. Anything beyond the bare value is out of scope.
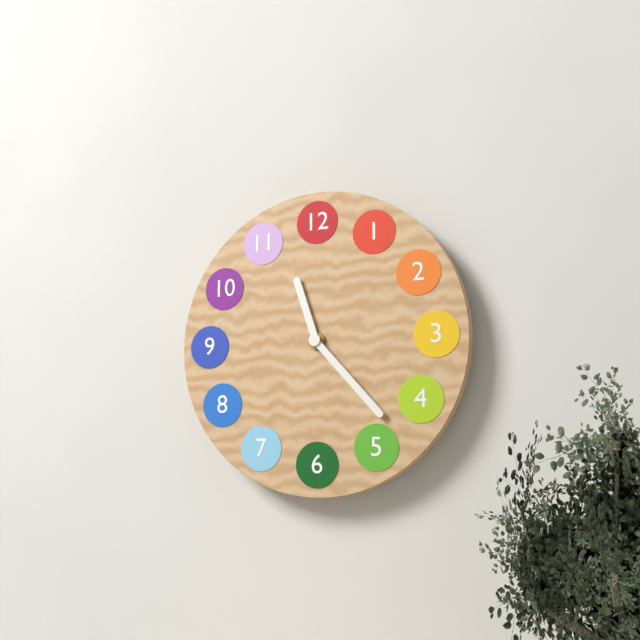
11.23
